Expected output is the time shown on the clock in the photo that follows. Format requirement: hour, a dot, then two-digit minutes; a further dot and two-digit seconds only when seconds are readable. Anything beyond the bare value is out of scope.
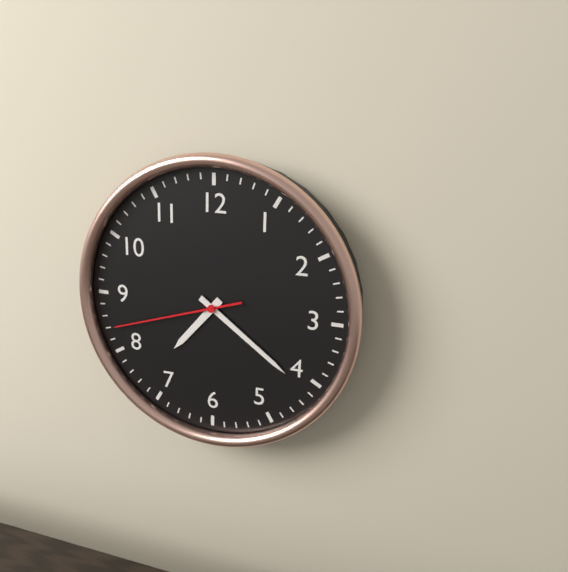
7.21.42
